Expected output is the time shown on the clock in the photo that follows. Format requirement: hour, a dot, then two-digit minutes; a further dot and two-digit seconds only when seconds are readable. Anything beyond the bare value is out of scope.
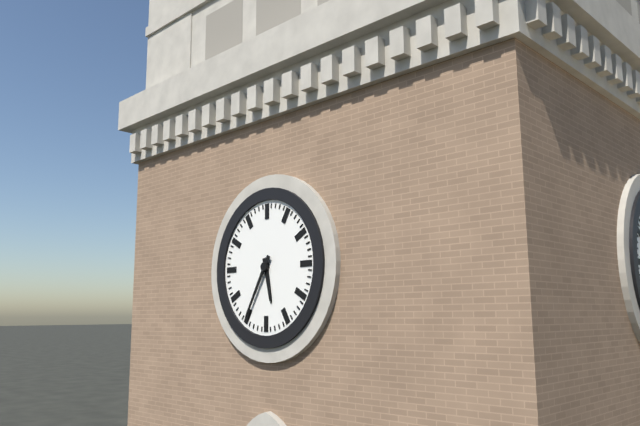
5.35
